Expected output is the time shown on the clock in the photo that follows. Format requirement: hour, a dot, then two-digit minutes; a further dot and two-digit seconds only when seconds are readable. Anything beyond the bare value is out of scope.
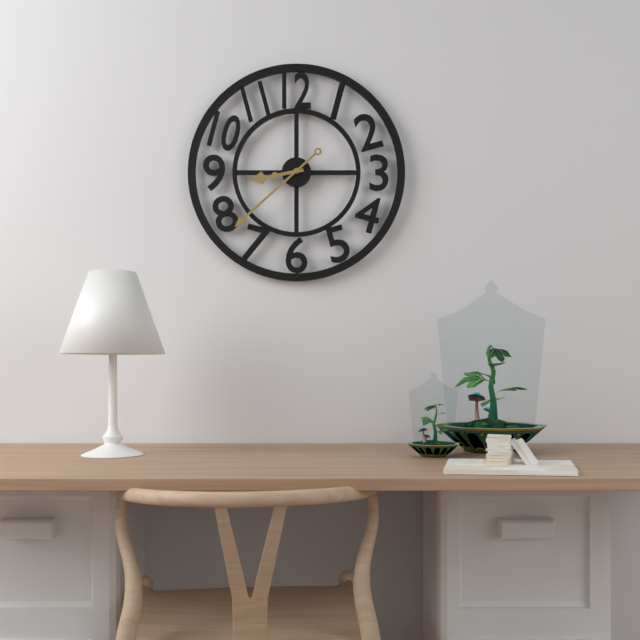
8.38
